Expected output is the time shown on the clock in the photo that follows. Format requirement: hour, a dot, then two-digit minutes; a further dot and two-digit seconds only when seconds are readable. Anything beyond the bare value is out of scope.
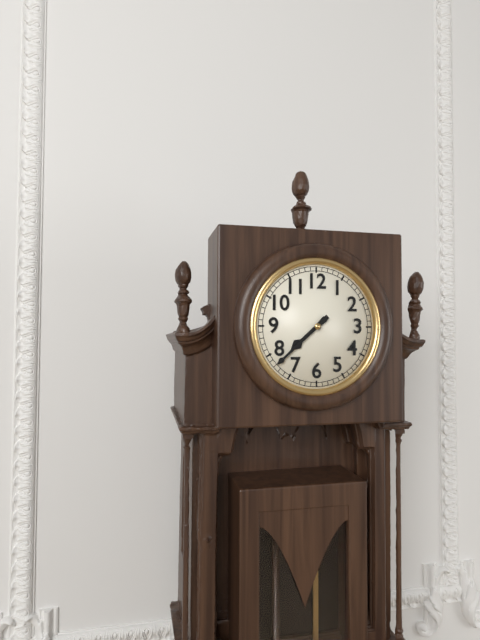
7.38
